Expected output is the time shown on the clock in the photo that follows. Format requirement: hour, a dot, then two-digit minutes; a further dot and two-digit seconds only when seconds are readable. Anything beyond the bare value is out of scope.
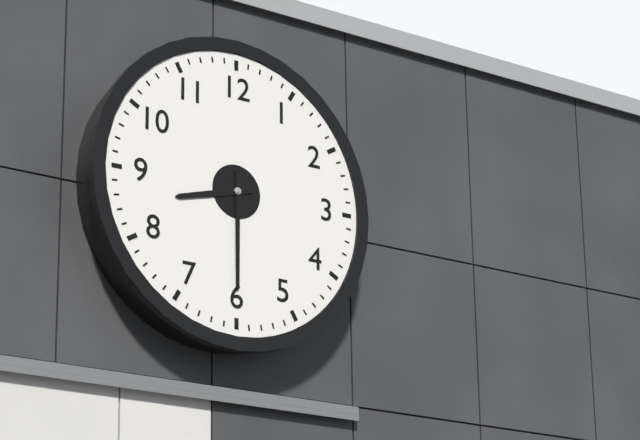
8.30
